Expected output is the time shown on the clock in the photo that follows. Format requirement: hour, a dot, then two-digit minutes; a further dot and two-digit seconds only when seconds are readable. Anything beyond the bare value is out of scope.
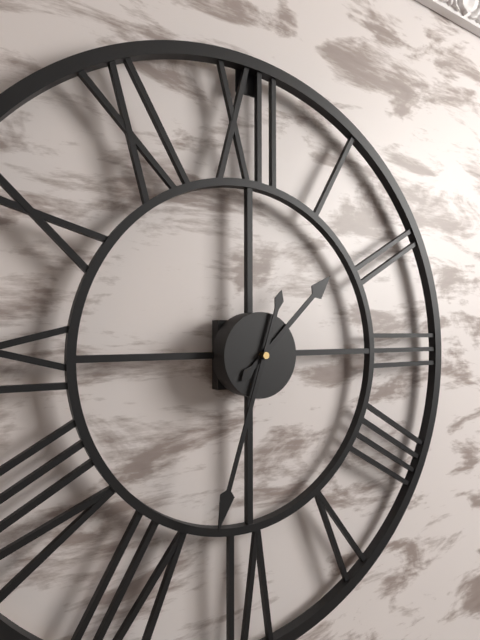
1.33
